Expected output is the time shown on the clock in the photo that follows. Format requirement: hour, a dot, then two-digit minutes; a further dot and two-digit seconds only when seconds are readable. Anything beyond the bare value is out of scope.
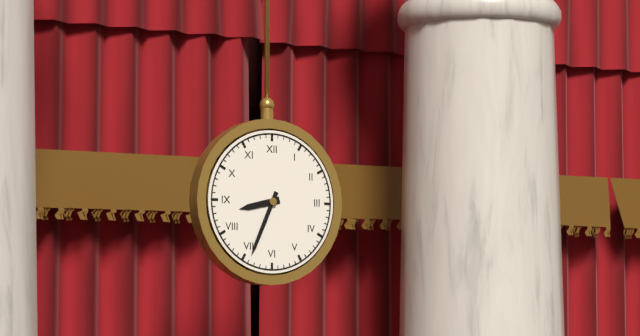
8.34
